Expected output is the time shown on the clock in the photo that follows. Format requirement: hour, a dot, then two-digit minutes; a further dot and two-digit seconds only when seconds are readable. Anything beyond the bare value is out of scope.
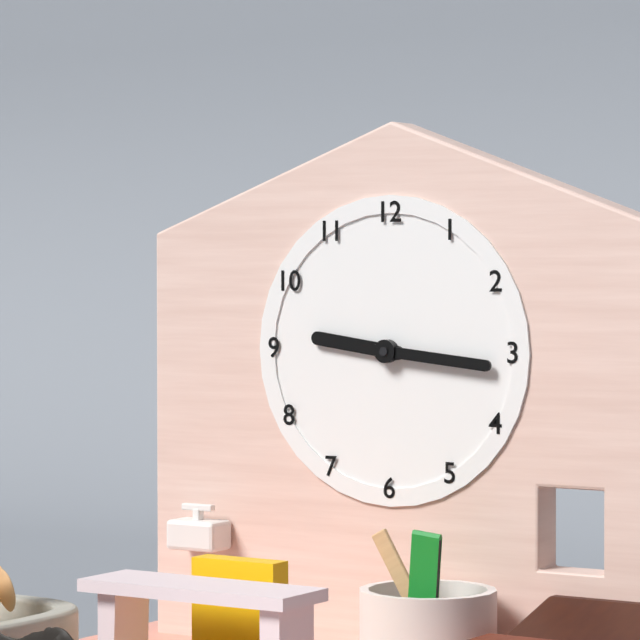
9.16
